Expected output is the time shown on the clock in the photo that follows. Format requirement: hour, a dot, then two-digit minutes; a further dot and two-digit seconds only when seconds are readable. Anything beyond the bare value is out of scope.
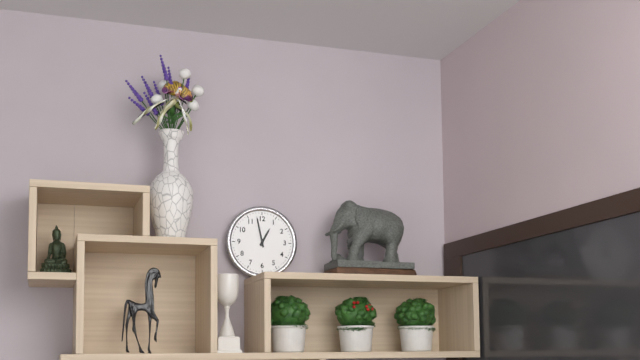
12.58
